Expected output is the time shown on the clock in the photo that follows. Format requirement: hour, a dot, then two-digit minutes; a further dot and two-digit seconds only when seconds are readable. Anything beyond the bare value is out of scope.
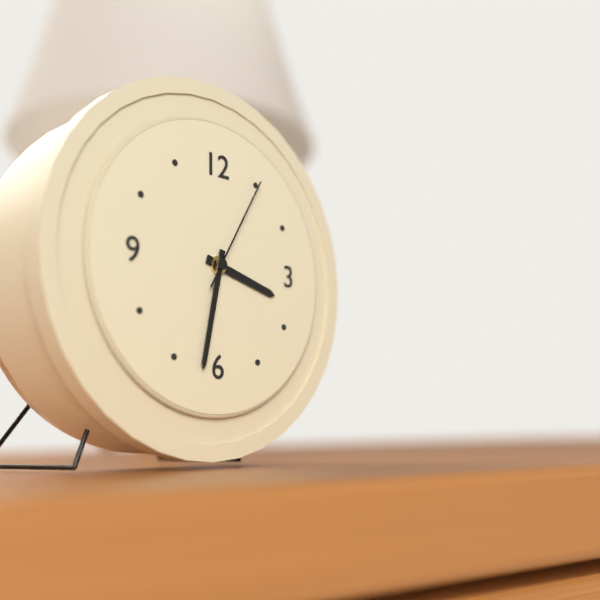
3.32.05
